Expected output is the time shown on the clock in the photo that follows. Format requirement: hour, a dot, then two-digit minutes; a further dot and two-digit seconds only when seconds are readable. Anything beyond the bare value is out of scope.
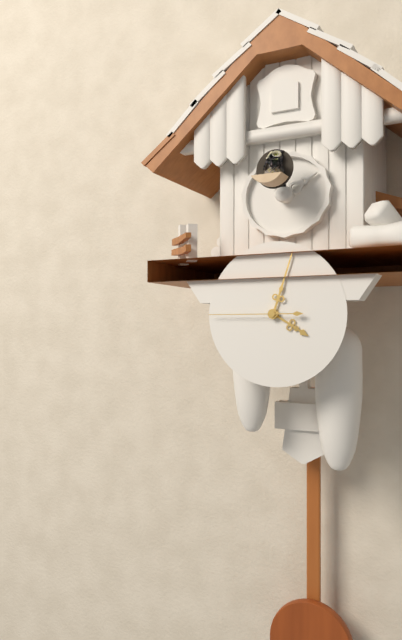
4.03.45
